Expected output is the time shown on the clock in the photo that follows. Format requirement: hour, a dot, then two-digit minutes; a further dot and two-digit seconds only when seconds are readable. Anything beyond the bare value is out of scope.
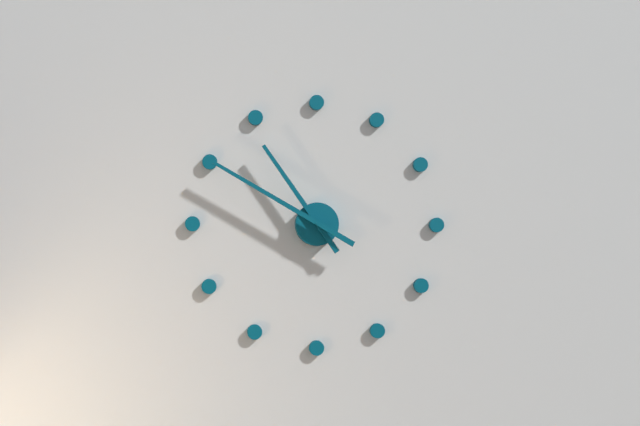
10.50
